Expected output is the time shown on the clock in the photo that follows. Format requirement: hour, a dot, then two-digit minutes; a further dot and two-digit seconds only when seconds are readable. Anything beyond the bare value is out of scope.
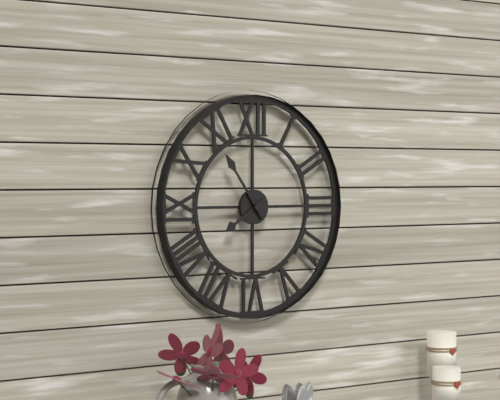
7.54
